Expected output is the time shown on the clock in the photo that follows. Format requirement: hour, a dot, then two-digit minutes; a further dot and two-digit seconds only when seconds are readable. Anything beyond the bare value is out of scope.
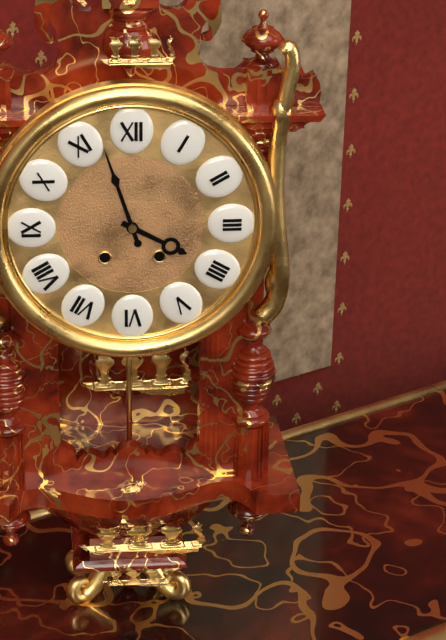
3.57
